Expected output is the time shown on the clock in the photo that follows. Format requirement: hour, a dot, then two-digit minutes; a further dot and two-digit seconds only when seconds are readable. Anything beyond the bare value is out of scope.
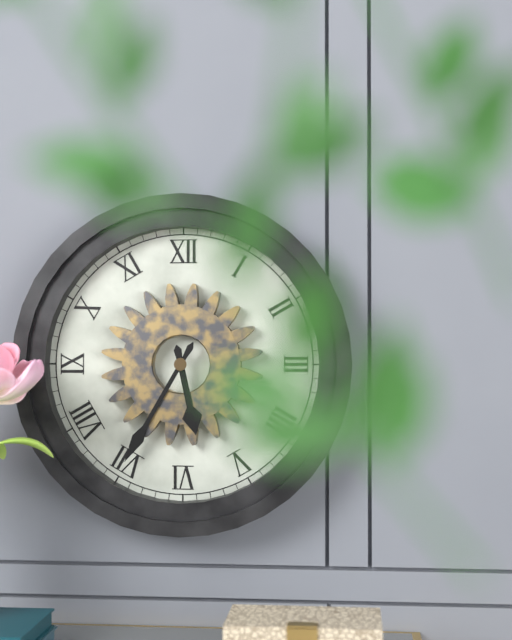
5.35
